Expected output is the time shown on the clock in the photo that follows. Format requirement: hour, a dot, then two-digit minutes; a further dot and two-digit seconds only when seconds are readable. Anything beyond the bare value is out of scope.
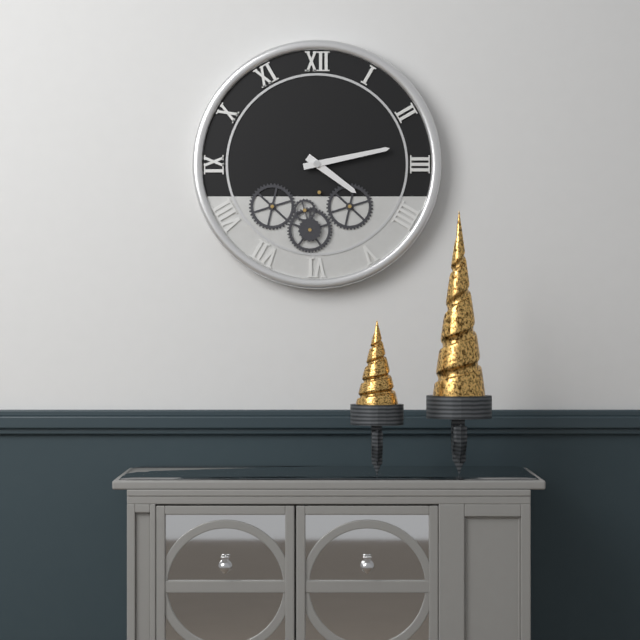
4.13
